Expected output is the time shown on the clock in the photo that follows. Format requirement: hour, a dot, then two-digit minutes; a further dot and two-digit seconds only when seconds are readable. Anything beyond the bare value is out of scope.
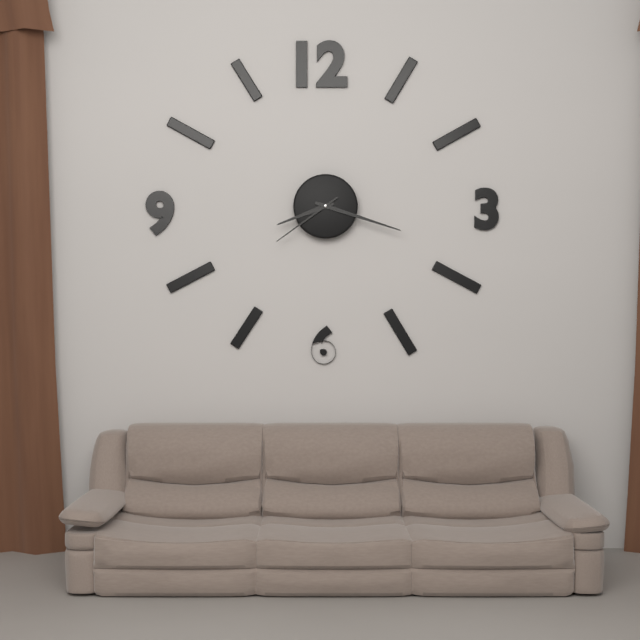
8.18.39
